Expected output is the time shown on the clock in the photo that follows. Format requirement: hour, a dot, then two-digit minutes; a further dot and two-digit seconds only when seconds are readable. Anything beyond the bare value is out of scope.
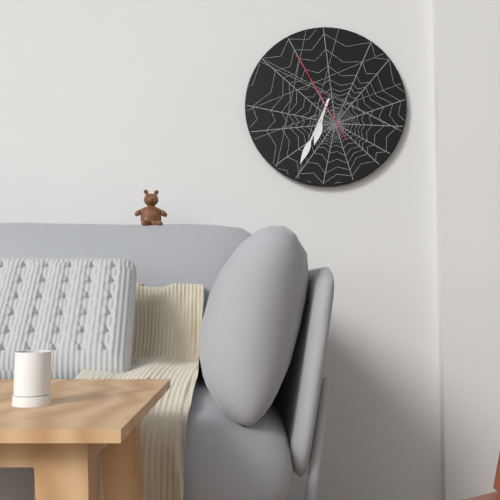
6.34.55
